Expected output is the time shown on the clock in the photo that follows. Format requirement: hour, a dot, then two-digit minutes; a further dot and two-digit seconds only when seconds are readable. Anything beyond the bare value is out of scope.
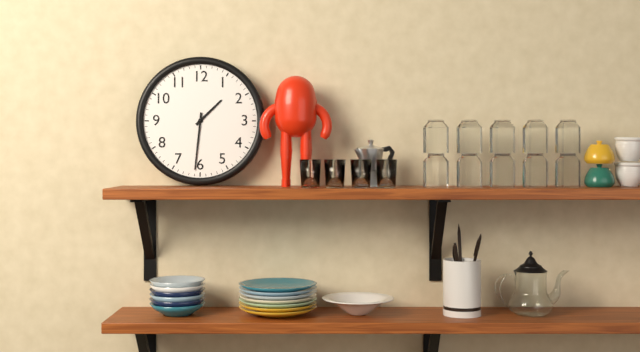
1.31
